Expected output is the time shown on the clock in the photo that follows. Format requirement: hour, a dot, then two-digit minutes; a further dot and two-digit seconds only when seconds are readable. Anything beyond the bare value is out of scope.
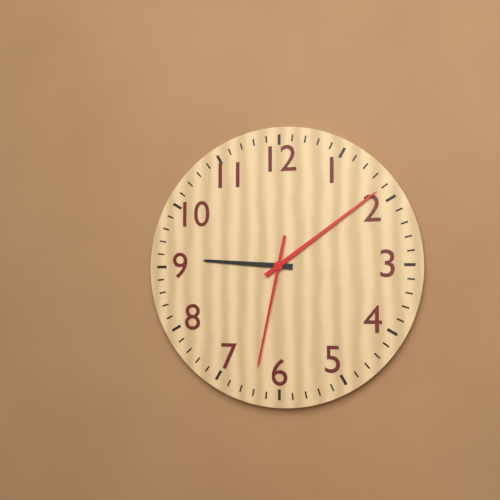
9.09.32
